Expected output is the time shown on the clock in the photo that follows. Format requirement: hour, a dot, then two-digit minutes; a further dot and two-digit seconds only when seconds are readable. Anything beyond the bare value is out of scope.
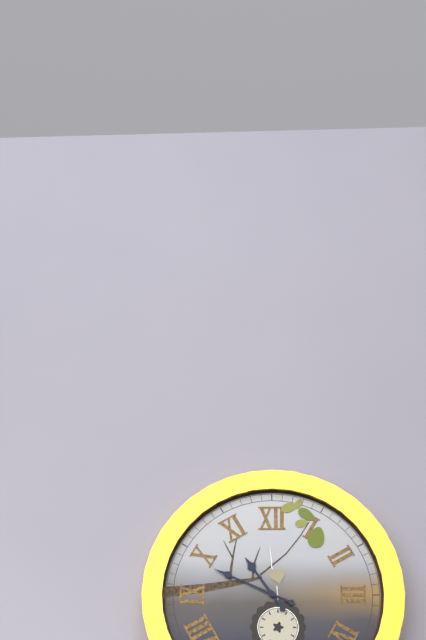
10.49
